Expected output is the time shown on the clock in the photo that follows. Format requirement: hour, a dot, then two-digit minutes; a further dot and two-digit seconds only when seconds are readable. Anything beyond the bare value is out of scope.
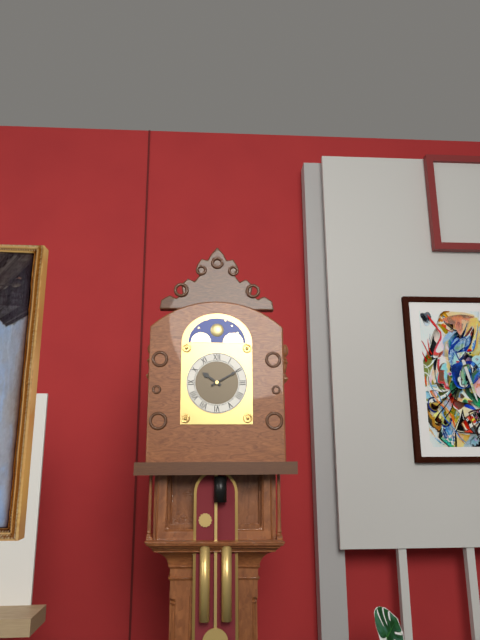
10.10
